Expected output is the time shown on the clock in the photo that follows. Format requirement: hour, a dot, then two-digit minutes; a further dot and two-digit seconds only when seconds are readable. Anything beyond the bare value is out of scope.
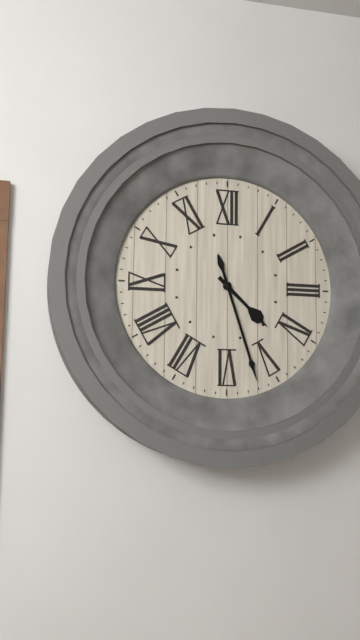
4.27
